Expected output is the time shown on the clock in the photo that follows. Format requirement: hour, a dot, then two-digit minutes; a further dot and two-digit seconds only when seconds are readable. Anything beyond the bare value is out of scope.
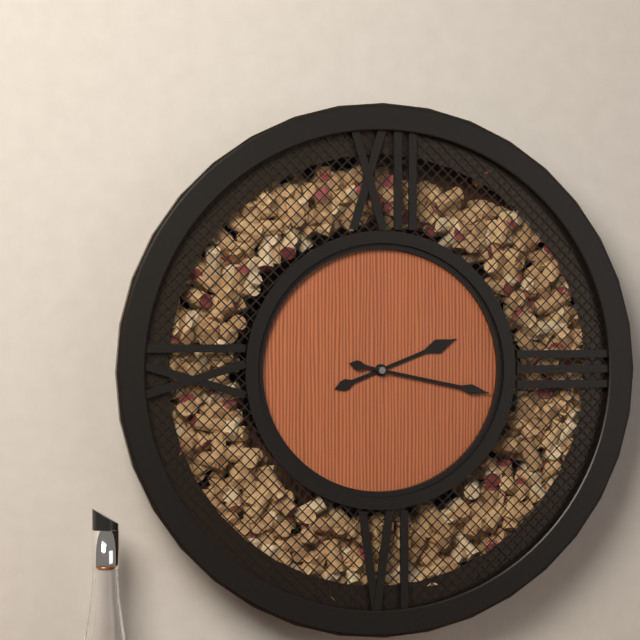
2.17
